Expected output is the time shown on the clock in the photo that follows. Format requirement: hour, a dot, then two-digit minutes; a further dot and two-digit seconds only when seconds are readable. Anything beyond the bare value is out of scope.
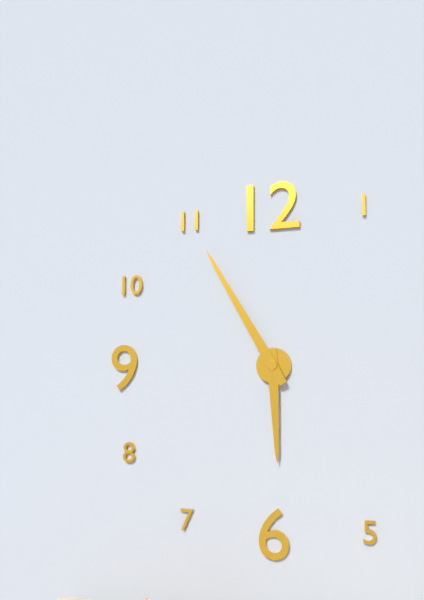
5.55
